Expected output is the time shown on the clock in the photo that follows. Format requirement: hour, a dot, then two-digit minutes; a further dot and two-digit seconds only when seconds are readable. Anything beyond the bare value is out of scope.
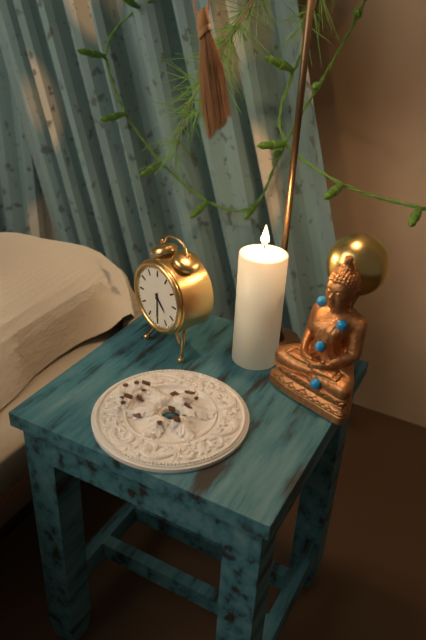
4.30
